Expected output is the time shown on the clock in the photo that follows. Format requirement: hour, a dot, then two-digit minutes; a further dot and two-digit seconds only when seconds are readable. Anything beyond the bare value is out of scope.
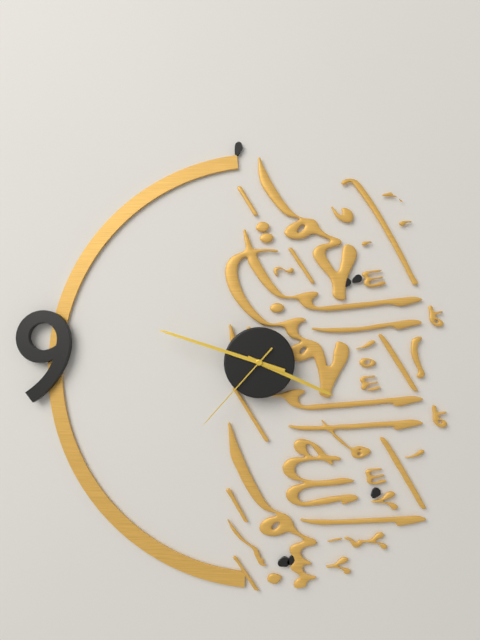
3.48.37
